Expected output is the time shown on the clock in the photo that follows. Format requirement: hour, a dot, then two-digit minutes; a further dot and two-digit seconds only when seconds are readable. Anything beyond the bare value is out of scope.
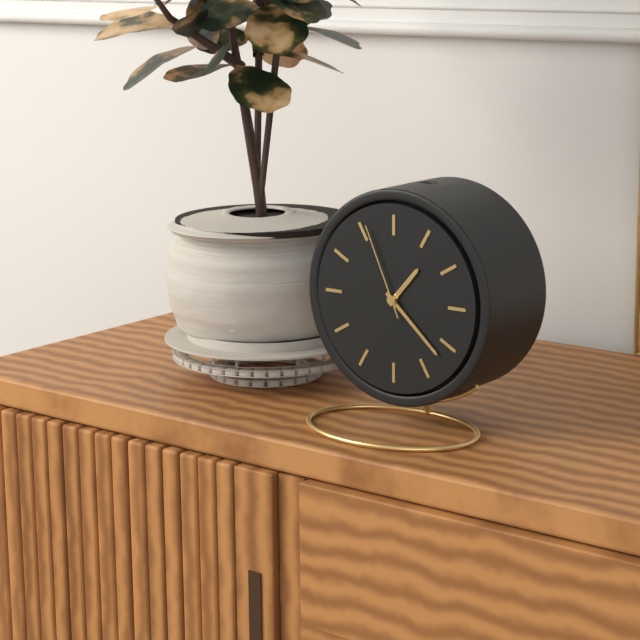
1.22.56
